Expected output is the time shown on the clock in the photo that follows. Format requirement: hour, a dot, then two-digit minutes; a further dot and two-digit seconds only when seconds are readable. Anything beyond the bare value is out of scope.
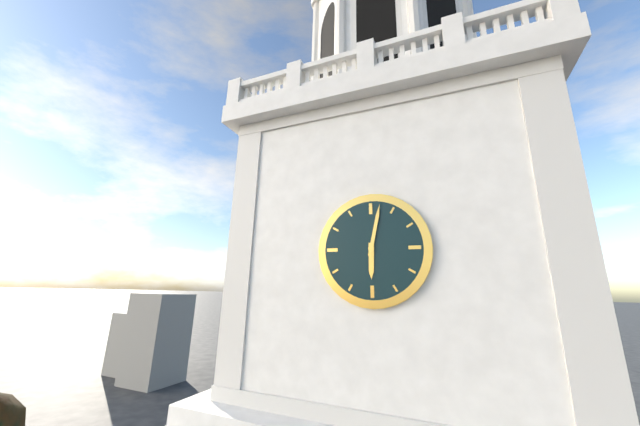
6.02
